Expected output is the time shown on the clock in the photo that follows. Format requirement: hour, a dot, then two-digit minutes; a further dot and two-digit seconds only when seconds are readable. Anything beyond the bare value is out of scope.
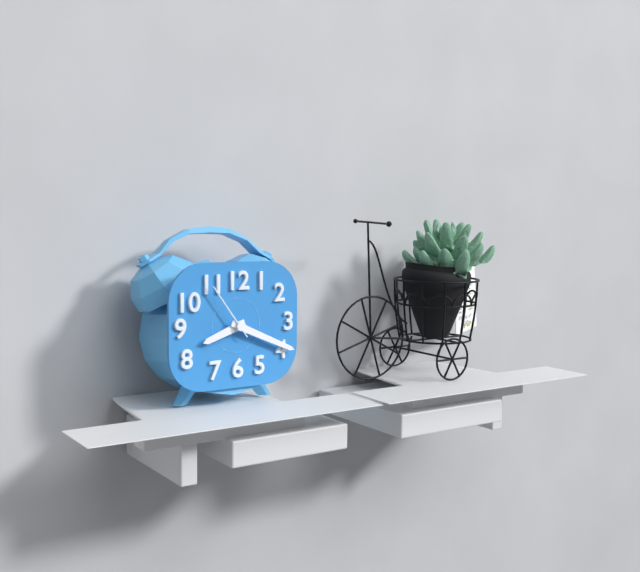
8.19.54
